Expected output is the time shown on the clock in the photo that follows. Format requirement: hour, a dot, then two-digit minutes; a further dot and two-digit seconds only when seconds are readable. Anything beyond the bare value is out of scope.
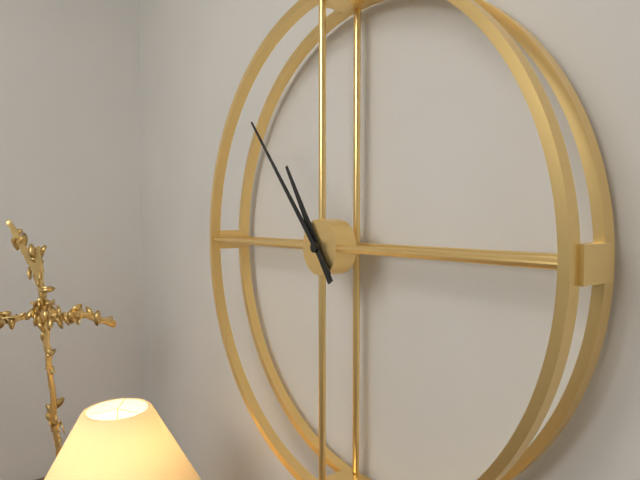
10.53
